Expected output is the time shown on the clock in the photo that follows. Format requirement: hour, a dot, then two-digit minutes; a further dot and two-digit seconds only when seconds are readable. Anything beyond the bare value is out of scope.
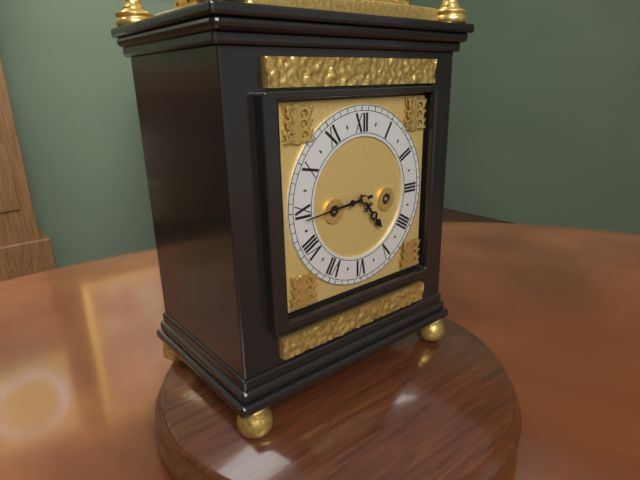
4.44
